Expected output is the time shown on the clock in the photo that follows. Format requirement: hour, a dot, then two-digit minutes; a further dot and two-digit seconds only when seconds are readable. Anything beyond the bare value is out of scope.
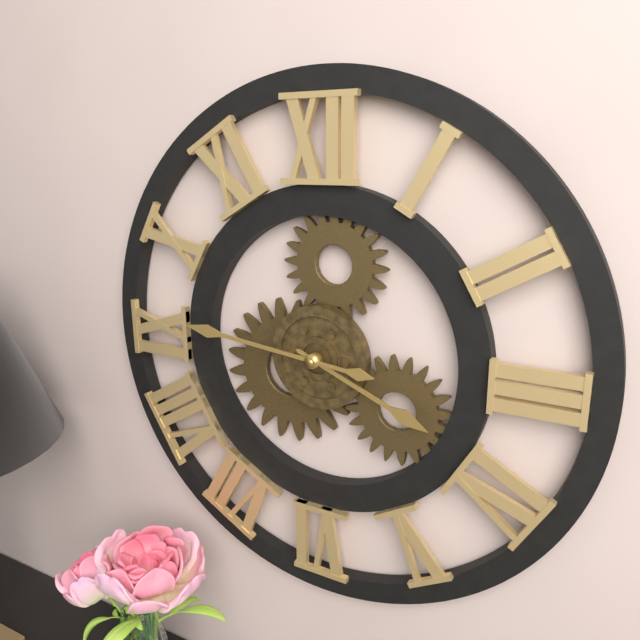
3.46
